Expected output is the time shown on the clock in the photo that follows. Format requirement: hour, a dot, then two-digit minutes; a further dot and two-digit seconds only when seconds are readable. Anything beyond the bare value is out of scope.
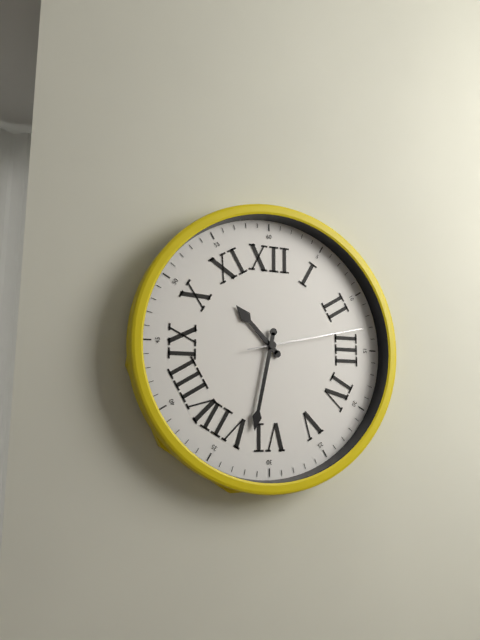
10.32.13
